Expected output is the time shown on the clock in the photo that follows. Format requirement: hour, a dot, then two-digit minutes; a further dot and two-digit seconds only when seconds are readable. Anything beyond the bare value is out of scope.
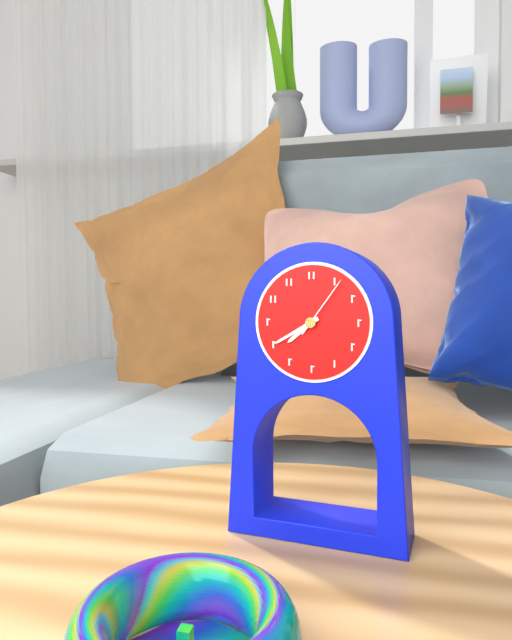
7.40.06
